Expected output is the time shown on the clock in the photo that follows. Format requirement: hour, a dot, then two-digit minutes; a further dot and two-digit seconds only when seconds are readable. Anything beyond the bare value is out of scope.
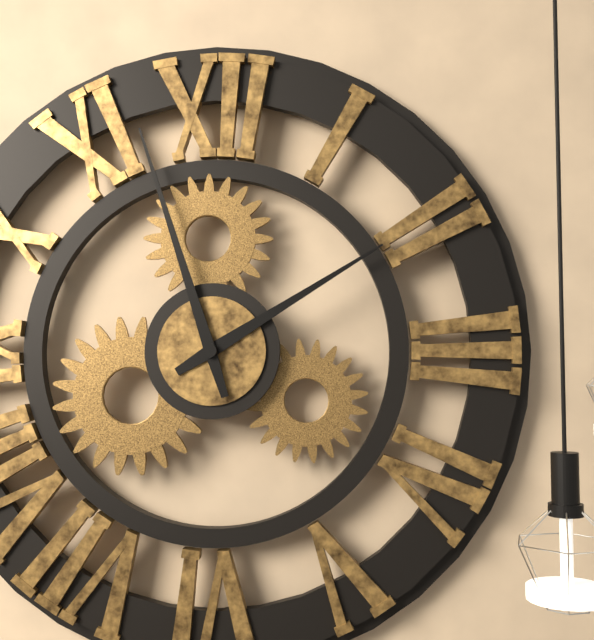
1.57
